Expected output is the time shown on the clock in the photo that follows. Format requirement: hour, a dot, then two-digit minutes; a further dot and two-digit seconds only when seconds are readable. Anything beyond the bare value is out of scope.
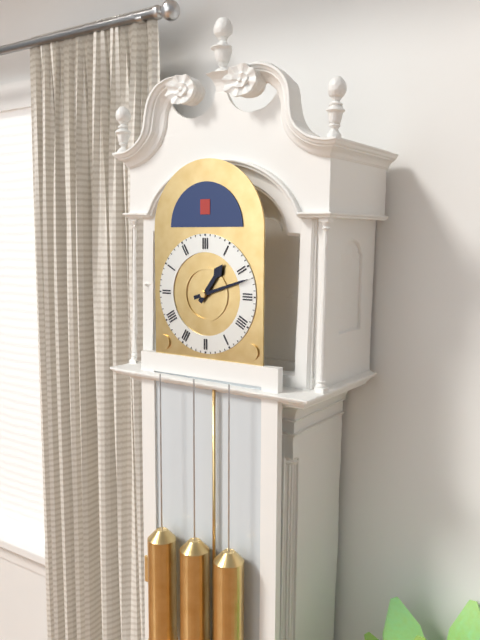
1.12
